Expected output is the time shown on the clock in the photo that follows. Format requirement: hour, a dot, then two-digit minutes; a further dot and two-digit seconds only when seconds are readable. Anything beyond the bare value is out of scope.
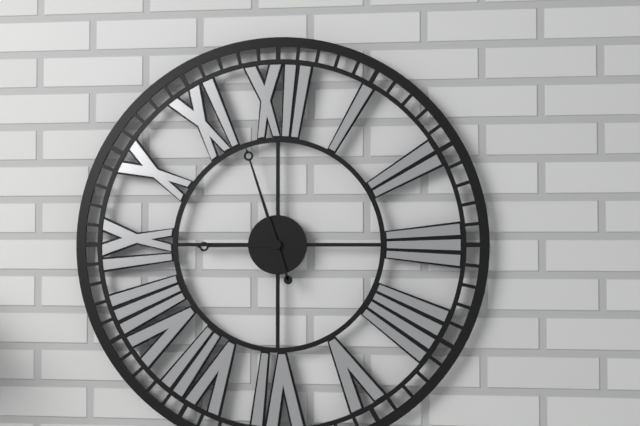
8.57
